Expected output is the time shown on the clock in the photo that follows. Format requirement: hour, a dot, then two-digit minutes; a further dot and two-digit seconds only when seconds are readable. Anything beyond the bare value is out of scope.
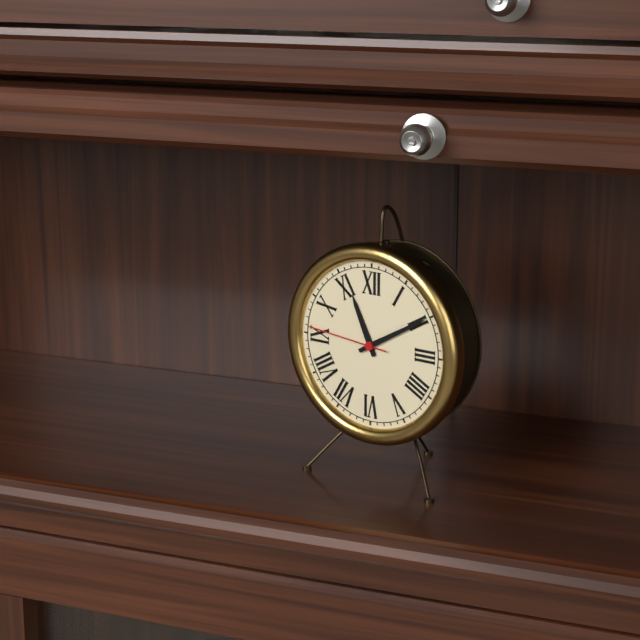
11.10.46
